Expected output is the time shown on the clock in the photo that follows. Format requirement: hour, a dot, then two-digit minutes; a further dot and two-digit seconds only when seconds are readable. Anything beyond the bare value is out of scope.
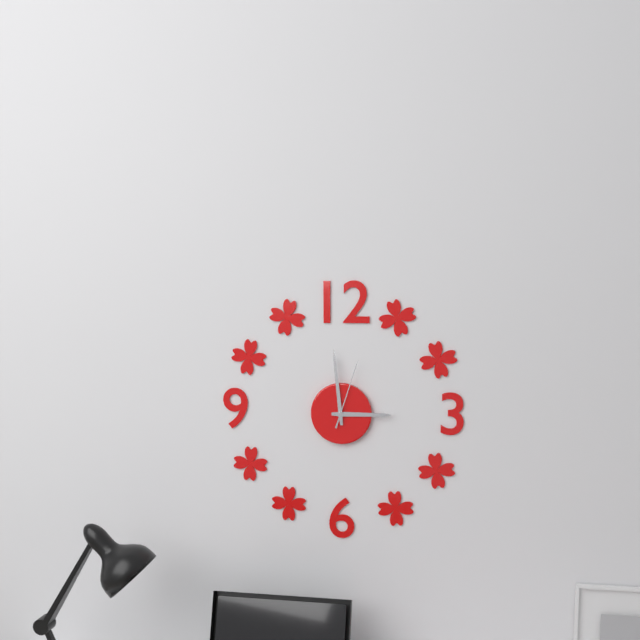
2.59.03
